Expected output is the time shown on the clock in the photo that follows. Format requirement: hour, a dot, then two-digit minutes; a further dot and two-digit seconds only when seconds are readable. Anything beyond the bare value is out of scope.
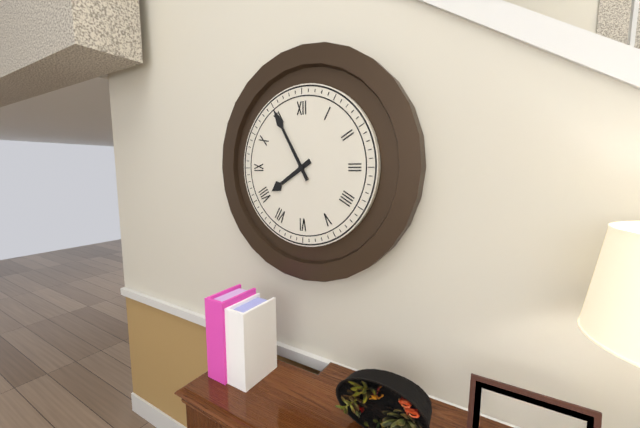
7.55
